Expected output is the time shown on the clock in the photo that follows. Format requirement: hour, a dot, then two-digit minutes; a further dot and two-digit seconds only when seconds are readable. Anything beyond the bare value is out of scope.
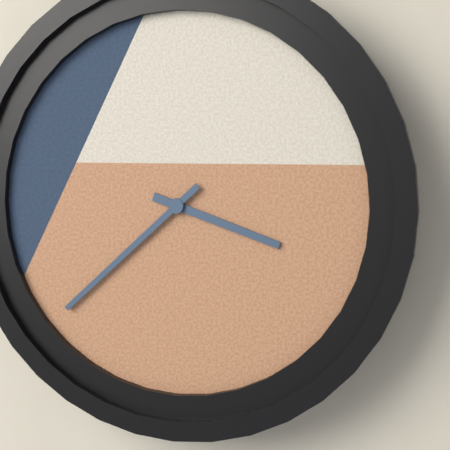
3.38
